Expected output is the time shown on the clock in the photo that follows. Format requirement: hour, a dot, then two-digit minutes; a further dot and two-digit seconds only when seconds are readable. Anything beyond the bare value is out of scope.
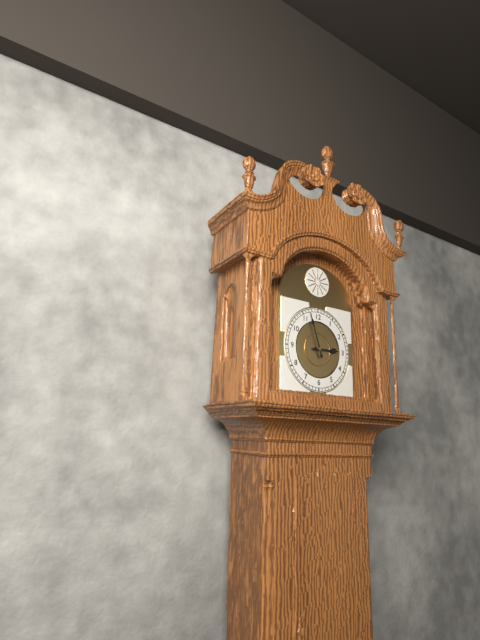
2.57
